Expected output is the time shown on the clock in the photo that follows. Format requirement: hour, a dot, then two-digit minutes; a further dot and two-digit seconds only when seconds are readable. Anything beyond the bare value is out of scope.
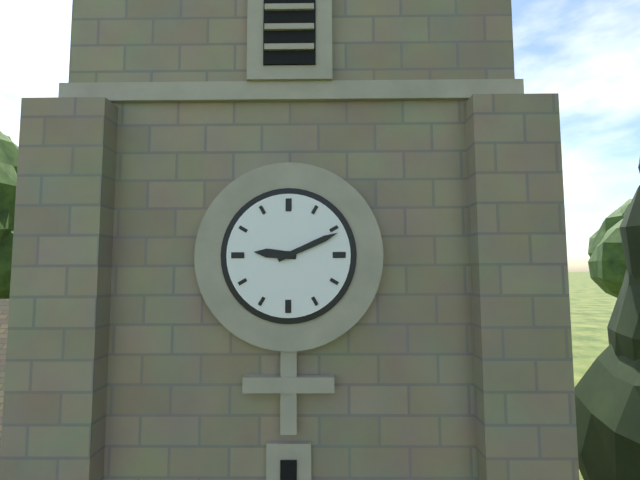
9.11
